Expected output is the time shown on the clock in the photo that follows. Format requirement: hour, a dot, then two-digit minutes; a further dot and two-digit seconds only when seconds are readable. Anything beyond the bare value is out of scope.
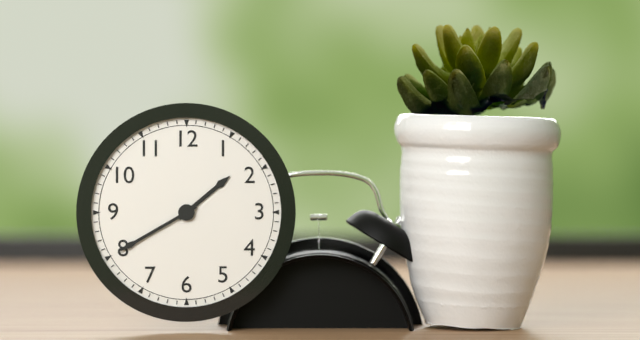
1.40
